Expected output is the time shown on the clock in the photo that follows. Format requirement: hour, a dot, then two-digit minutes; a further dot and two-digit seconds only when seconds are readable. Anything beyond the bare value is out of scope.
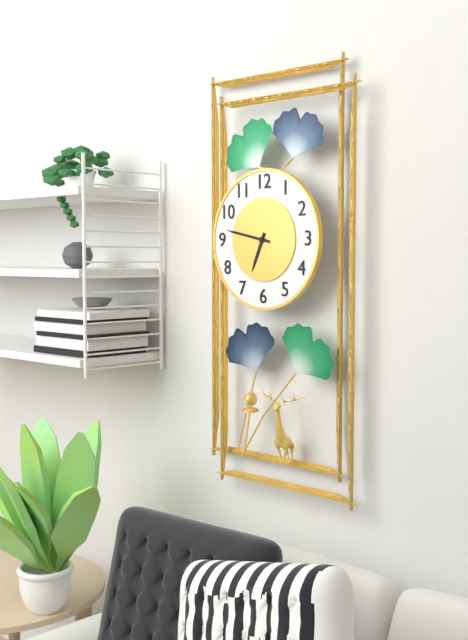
6.47
